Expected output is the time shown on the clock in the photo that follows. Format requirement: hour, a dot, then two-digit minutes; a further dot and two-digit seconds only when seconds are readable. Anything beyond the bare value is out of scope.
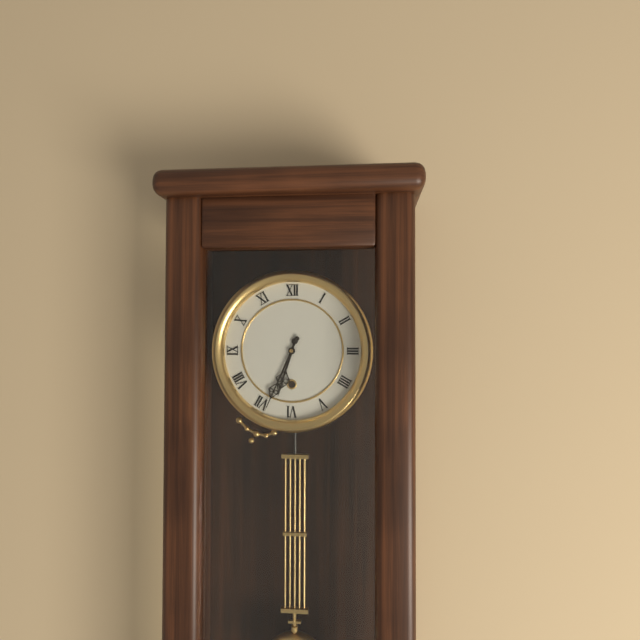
6.34
